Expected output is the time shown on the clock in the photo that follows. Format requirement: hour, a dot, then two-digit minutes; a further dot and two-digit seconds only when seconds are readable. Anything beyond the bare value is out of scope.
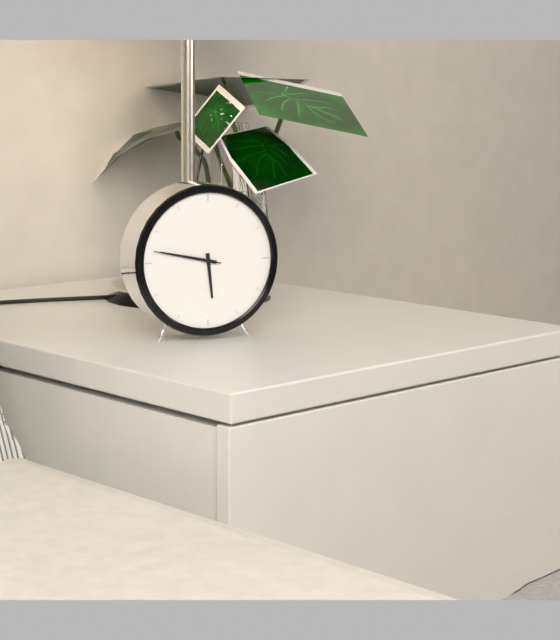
5.47.47
